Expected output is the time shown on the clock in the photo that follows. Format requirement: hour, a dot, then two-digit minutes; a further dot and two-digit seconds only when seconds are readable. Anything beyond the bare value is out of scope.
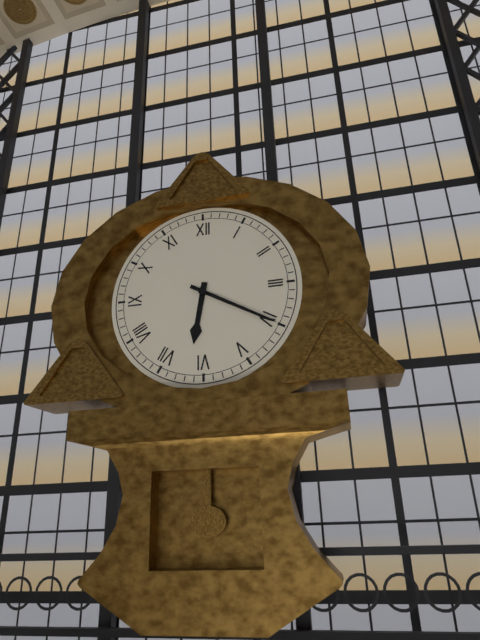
6.20
